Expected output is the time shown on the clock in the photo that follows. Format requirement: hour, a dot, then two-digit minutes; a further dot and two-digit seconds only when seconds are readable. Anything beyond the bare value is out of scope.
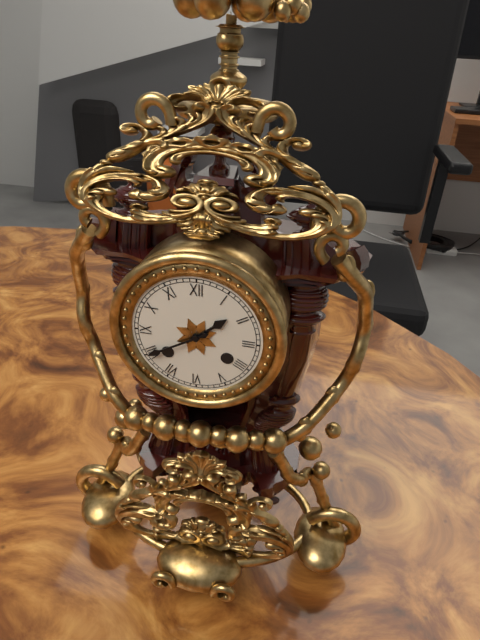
1.40
